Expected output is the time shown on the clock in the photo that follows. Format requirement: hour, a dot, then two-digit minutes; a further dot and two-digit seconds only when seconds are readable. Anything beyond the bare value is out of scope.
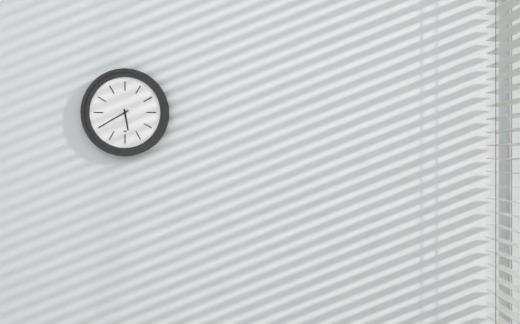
5.40
